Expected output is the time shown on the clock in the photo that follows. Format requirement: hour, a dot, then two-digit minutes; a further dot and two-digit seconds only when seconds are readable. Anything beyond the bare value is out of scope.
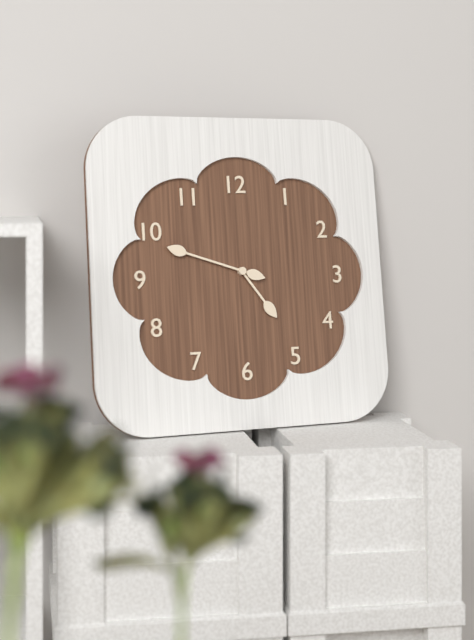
4.48
